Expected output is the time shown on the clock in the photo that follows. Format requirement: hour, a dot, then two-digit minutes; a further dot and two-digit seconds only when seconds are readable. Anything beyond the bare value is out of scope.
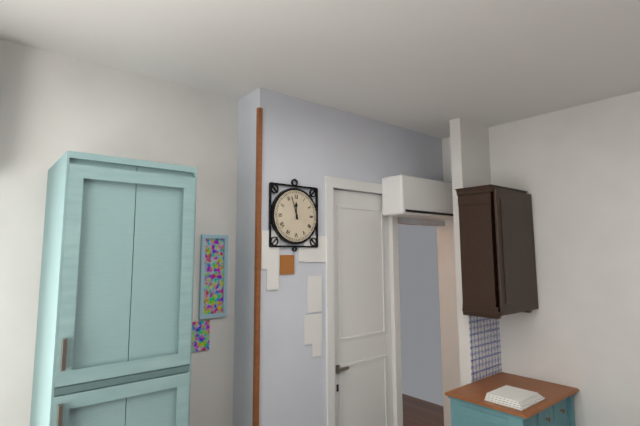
11.57
